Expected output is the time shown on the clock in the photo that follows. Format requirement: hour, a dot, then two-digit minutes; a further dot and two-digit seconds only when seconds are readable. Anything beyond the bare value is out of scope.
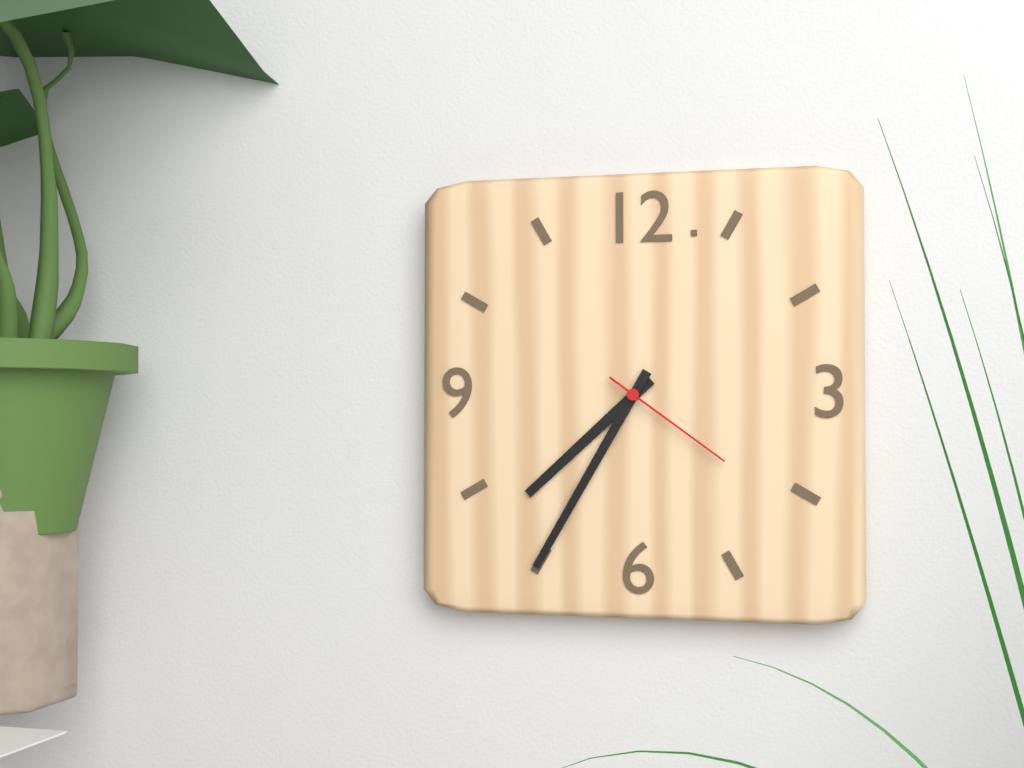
7.35.21
